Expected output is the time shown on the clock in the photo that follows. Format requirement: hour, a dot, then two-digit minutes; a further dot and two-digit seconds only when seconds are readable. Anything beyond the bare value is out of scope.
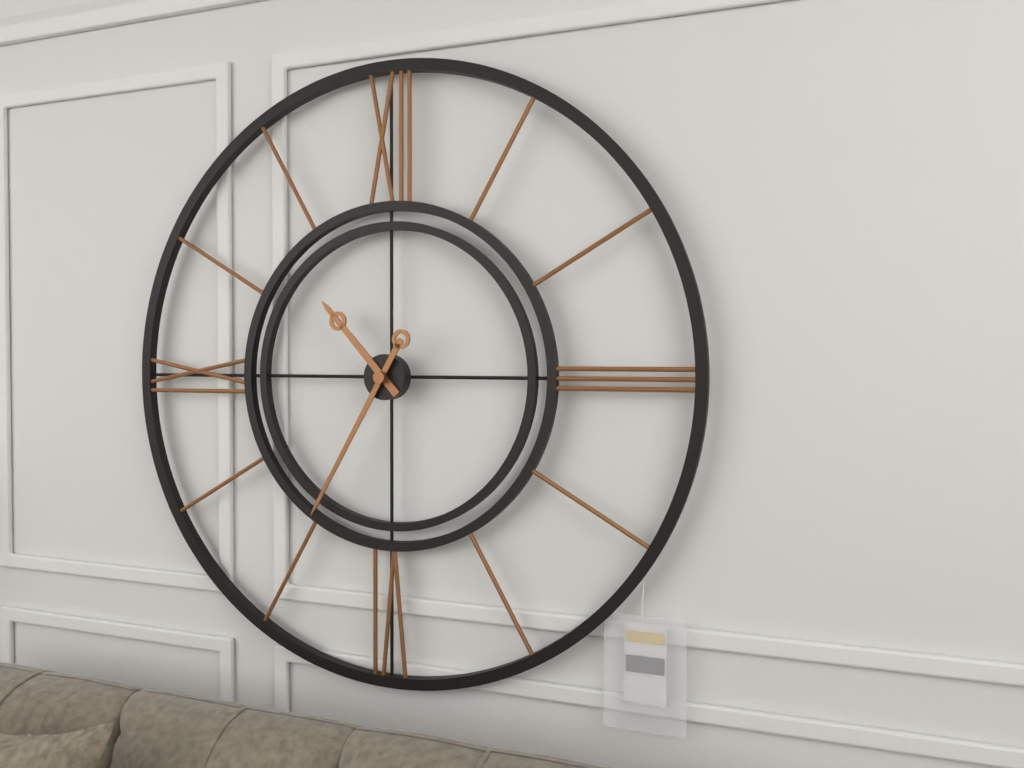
10.35
